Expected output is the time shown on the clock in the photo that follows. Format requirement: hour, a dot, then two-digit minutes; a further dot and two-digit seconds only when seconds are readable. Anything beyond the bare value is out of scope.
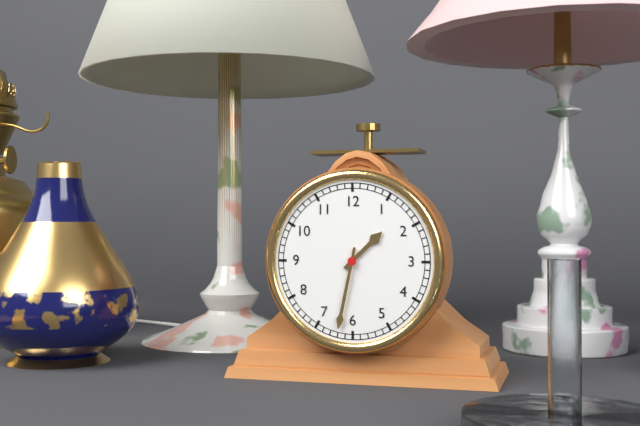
1.32
